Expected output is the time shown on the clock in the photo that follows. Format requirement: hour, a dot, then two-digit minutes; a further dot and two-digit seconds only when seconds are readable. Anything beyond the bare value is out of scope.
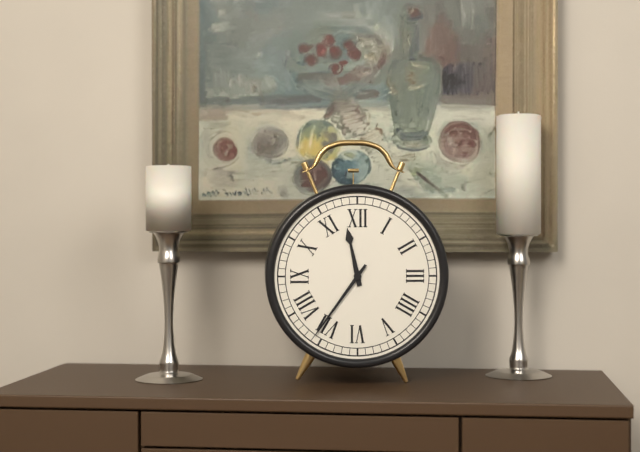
11.36
